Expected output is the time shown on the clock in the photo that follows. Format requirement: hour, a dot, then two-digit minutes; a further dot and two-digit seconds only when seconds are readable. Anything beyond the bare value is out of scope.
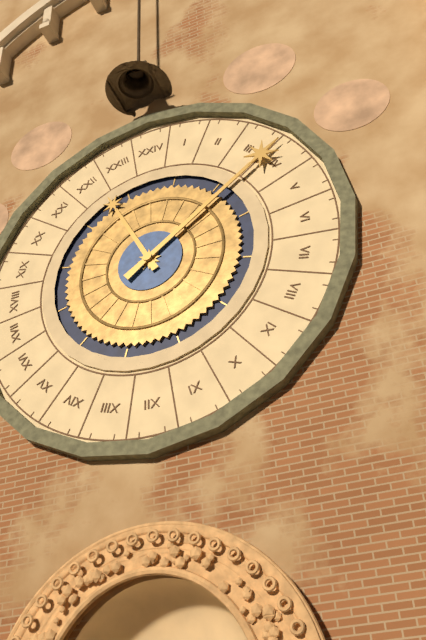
11.09
